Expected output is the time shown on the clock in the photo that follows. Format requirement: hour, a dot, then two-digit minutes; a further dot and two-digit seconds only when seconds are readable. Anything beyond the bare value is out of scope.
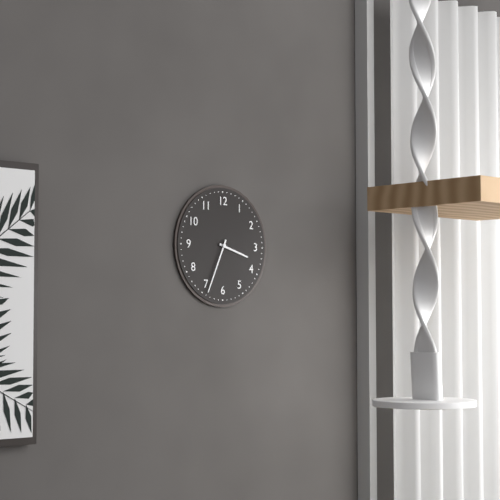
3.34
